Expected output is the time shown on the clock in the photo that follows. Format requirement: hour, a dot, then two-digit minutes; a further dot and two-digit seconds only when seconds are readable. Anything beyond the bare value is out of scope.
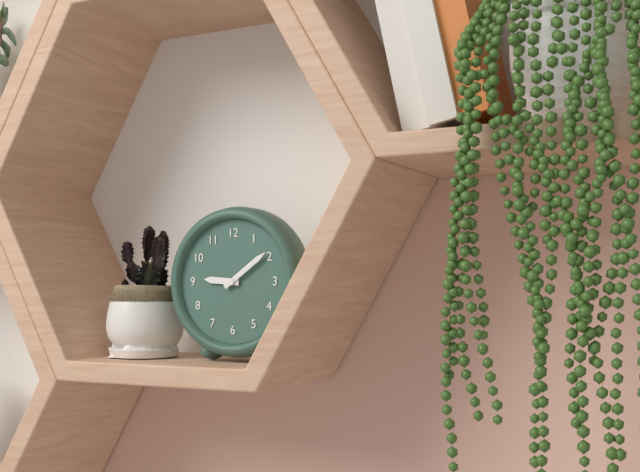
9.09
